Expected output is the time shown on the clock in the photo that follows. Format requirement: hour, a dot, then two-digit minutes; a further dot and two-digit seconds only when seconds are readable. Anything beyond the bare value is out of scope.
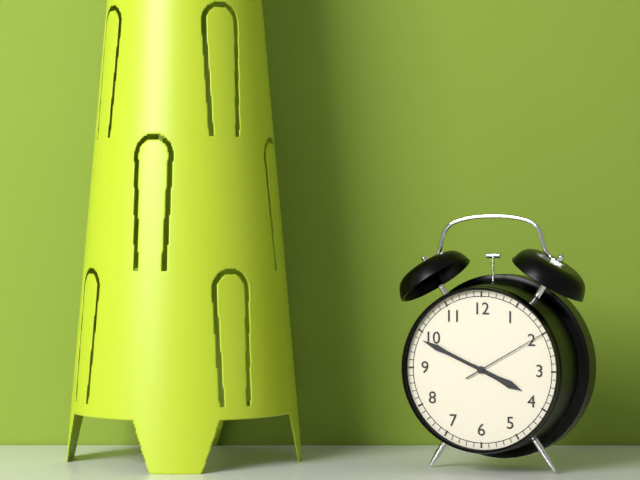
3.49.10
